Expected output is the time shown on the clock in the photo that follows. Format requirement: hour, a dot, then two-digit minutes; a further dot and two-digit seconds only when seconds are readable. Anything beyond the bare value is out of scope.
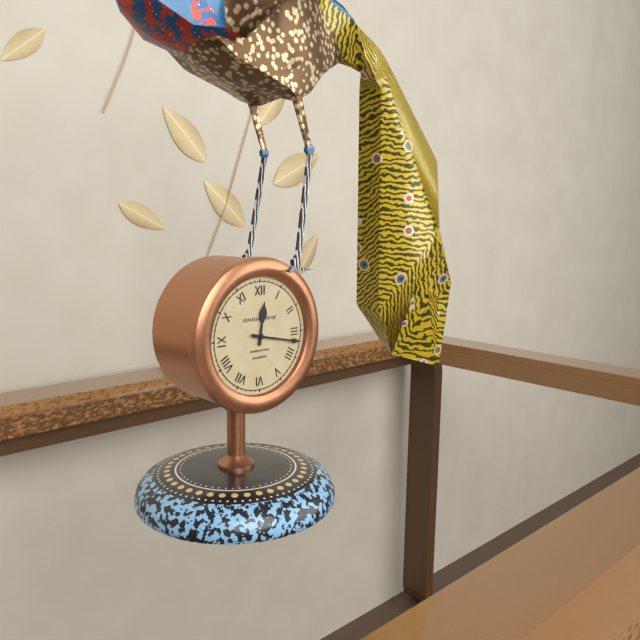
12.17
